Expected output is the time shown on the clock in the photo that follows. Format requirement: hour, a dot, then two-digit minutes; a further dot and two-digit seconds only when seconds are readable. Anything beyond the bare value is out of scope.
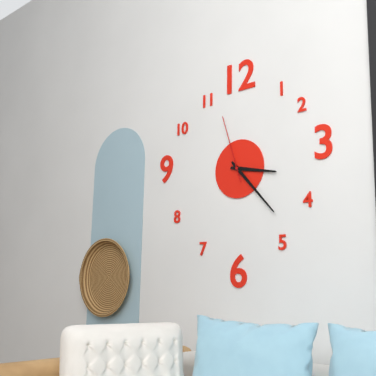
3.23.57
